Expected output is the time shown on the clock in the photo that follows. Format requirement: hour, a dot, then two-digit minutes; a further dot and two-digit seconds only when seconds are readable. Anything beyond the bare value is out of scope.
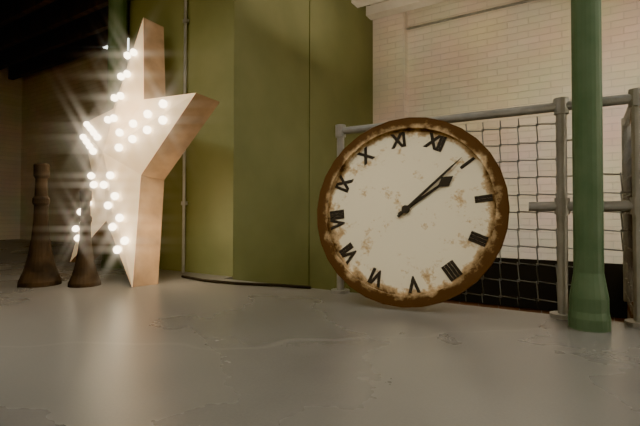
1.04
